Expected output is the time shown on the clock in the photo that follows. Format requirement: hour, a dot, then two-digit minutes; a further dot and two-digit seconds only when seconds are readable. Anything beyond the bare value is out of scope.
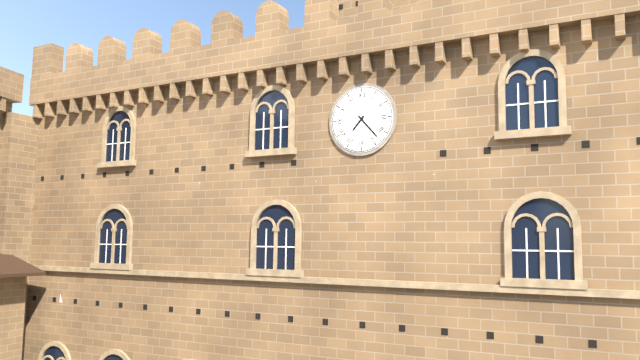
7.23
